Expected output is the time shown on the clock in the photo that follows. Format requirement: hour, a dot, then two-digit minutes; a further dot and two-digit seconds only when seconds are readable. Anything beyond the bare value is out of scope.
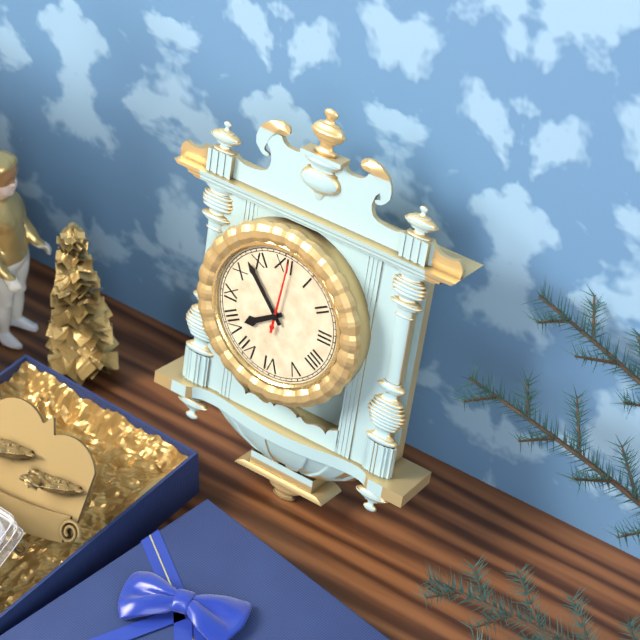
7.53.01
